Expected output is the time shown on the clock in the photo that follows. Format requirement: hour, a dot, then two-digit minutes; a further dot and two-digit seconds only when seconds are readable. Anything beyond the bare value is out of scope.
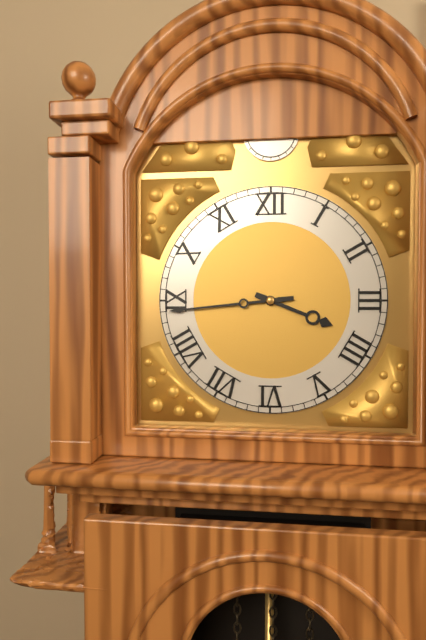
3.44
